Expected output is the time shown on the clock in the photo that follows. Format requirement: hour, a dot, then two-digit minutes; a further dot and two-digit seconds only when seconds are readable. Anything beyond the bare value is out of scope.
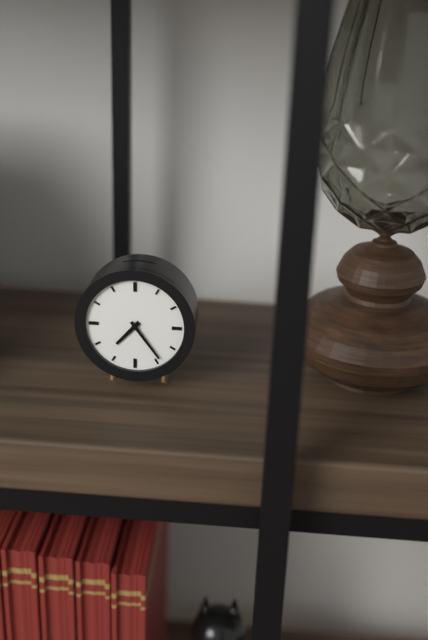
7.24
